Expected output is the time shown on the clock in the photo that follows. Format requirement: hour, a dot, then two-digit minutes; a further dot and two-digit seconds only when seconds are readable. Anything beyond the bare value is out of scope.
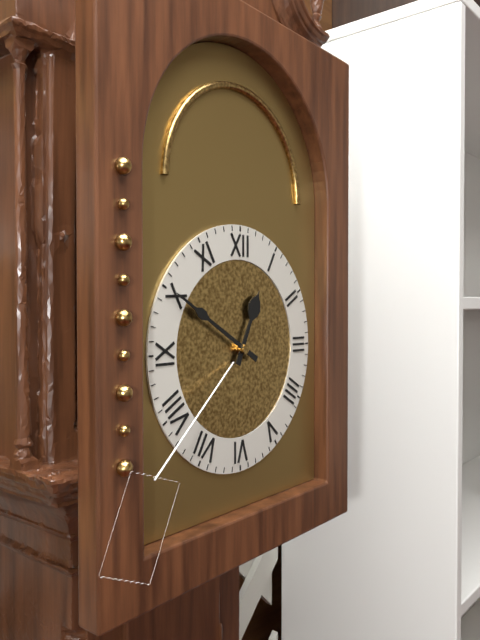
12.50
